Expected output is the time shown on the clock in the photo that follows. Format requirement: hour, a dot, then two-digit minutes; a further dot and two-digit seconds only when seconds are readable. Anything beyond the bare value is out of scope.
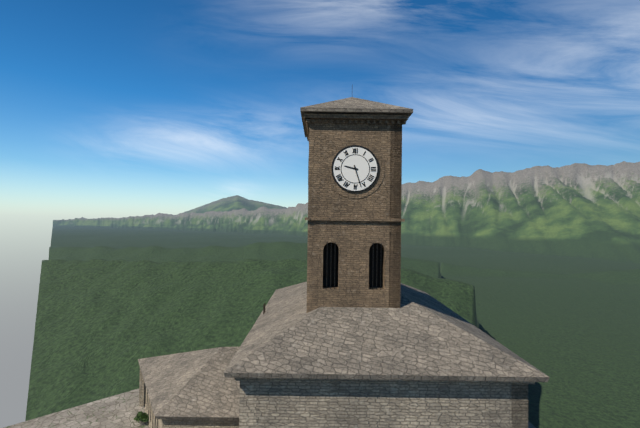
9.27
